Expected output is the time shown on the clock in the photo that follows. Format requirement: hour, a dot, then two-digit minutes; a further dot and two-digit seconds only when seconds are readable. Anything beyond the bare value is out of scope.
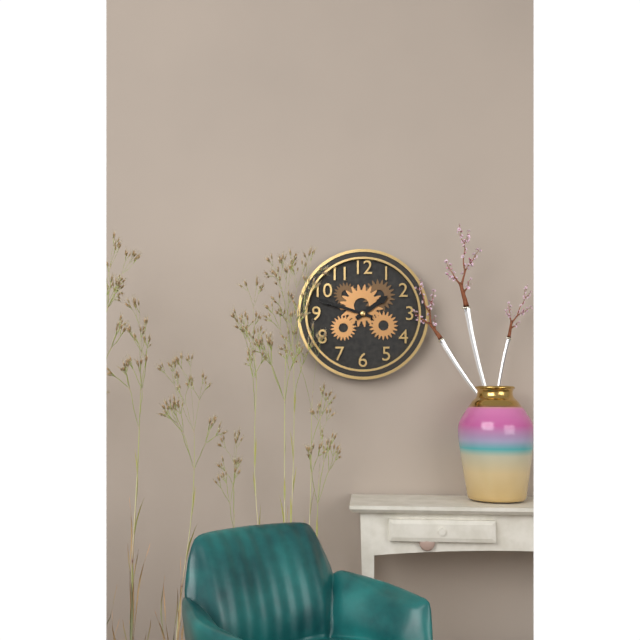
1.48
